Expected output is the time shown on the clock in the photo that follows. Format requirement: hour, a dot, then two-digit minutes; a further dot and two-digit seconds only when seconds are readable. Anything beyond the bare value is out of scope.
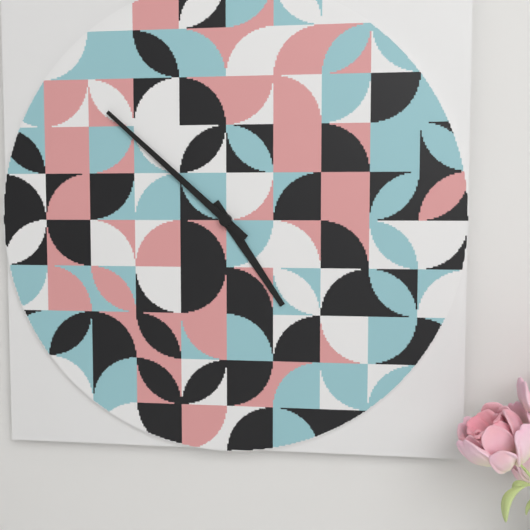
4.52
